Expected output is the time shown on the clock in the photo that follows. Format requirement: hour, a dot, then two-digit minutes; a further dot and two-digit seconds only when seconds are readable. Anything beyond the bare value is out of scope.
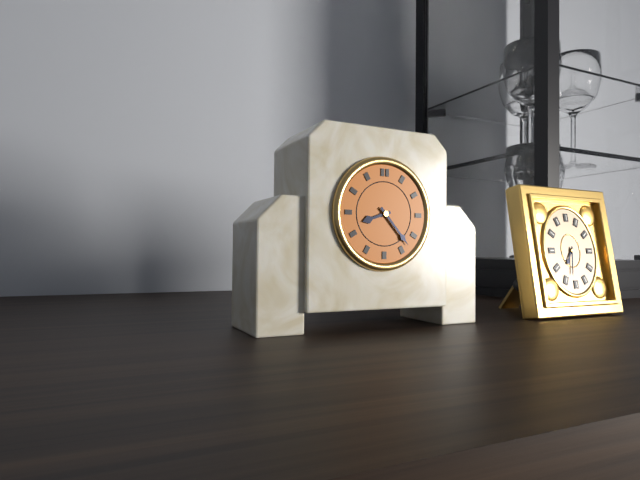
8.23
